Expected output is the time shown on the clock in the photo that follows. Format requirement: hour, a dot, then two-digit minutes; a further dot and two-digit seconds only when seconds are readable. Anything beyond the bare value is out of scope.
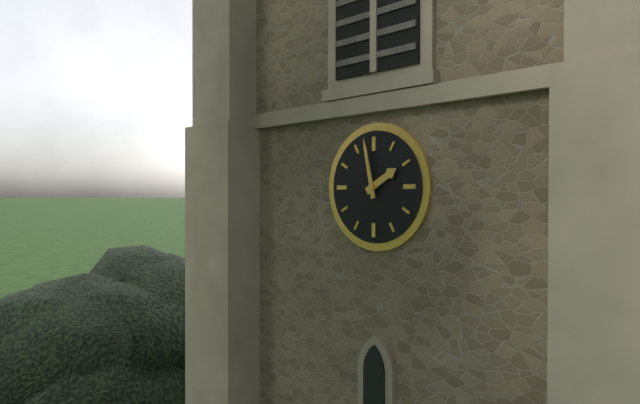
1.58
